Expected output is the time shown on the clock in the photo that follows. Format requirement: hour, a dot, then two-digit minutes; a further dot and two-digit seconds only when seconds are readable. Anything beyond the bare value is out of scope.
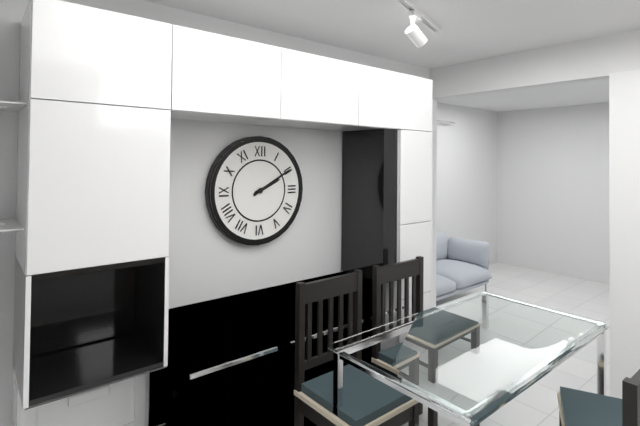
2.10
